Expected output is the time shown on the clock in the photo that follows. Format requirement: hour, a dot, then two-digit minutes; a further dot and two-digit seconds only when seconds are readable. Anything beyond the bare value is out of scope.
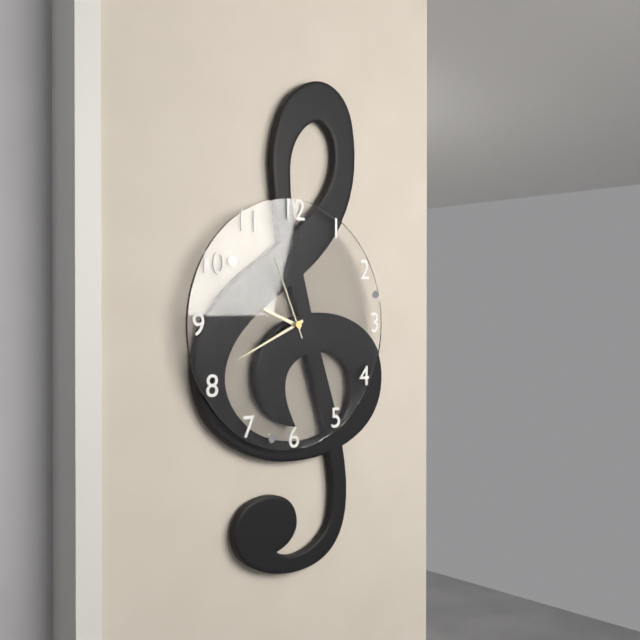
9.41.56
